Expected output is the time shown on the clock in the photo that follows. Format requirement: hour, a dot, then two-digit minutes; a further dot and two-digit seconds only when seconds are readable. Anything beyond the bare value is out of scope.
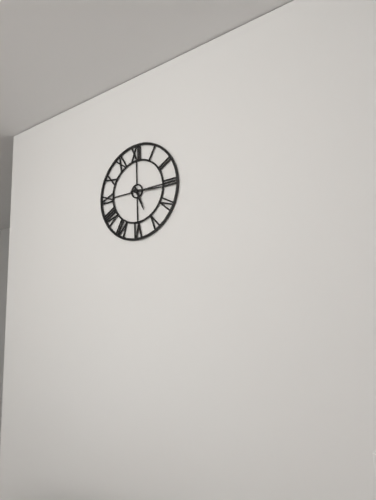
5.16
